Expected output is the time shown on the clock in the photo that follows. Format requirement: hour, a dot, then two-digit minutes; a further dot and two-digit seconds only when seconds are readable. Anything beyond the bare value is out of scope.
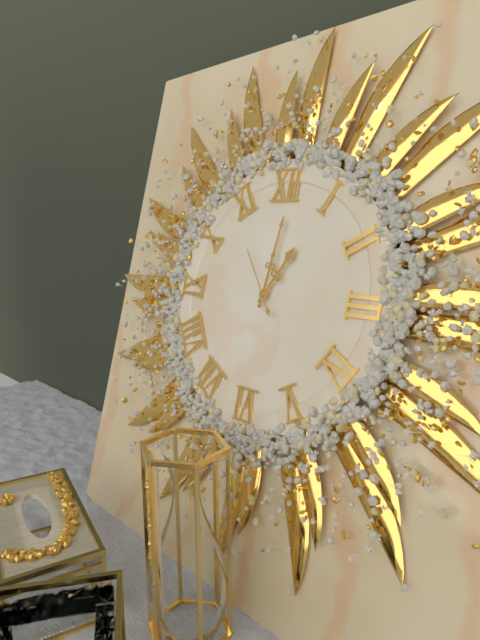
1.01.54
